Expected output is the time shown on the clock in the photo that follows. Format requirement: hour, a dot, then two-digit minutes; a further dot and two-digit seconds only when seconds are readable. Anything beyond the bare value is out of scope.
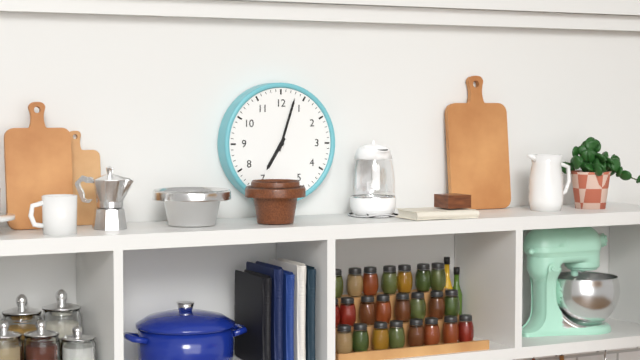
7.03
